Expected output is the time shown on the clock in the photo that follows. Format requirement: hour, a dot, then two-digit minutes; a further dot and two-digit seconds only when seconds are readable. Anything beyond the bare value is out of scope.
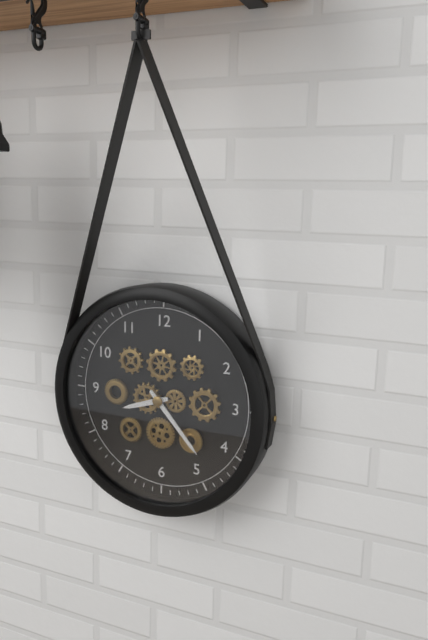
8.23
